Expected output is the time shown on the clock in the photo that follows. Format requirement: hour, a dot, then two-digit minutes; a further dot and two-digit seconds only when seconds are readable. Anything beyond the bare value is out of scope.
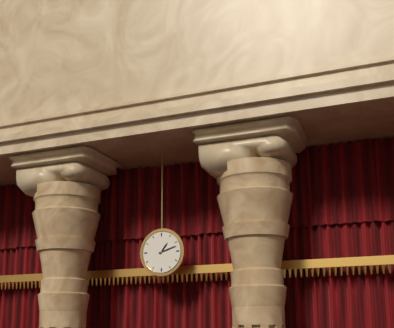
1.12
